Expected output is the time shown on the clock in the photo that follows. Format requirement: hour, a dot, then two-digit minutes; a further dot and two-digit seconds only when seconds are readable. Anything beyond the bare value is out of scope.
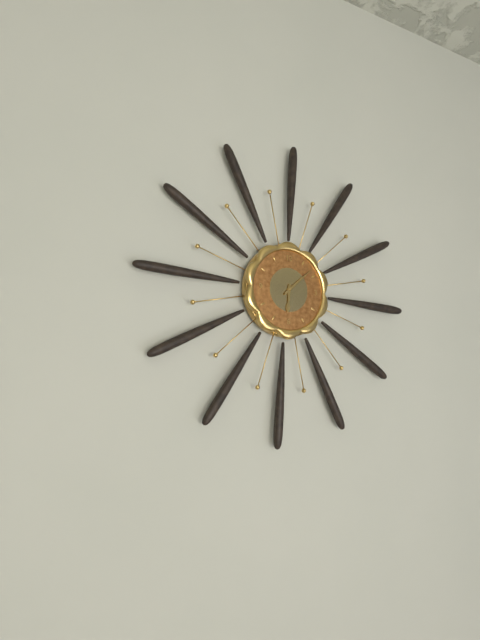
6.08
